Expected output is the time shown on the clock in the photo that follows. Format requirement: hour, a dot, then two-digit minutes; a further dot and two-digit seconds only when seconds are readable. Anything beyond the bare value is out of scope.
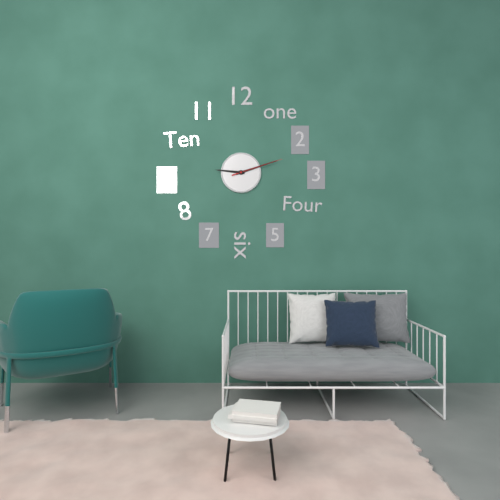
9.12.12
